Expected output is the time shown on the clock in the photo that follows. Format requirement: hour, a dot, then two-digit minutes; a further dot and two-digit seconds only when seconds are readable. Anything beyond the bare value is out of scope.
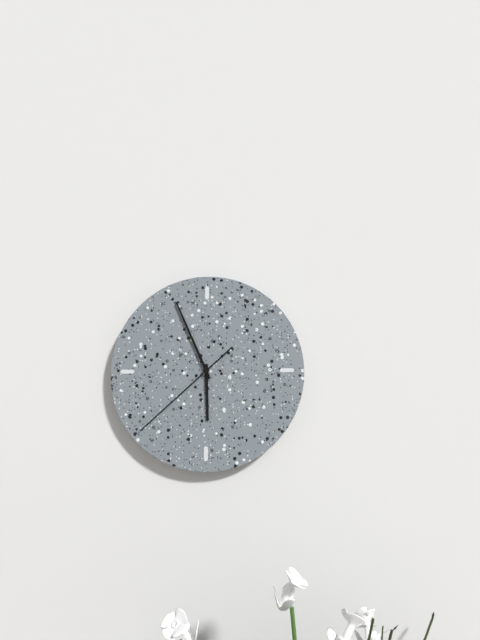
5.56.38
